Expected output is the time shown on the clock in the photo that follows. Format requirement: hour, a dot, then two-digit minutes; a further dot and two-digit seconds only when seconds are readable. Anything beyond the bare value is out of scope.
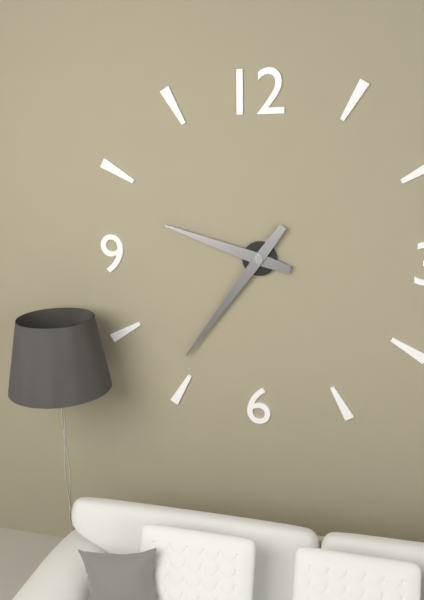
9.36
